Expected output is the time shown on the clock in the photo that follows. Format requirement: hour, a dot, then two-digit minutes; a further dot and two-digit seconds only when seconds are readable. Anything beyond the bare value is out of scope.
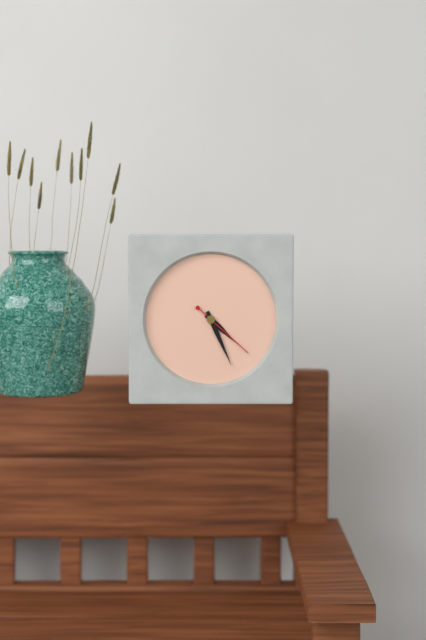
4.26.22
